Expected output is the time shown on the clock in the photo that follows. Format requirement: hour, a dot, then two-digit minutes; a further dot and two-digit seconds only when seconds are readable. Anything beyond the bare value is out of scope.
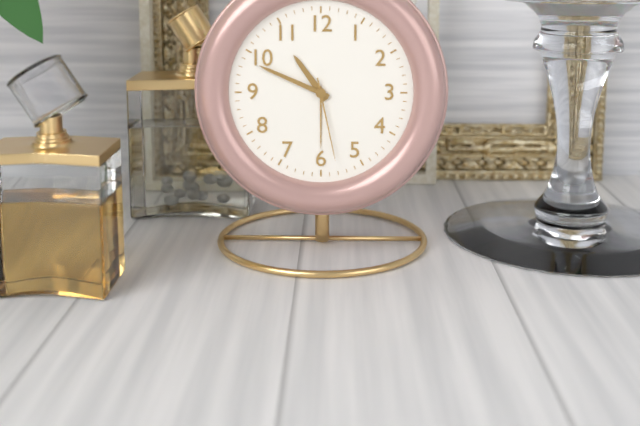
10.49.28
